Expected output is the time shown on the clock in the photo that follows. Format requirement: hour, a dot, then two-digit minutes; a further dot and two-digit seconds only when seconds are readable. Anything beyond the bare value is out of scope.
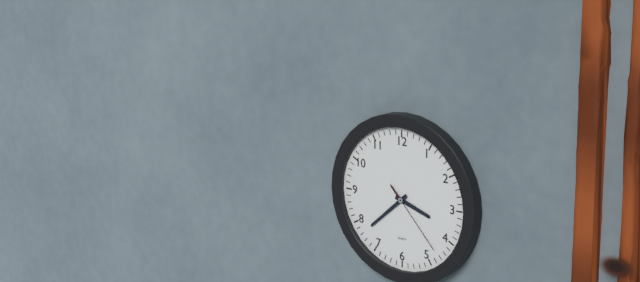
3.38.23
